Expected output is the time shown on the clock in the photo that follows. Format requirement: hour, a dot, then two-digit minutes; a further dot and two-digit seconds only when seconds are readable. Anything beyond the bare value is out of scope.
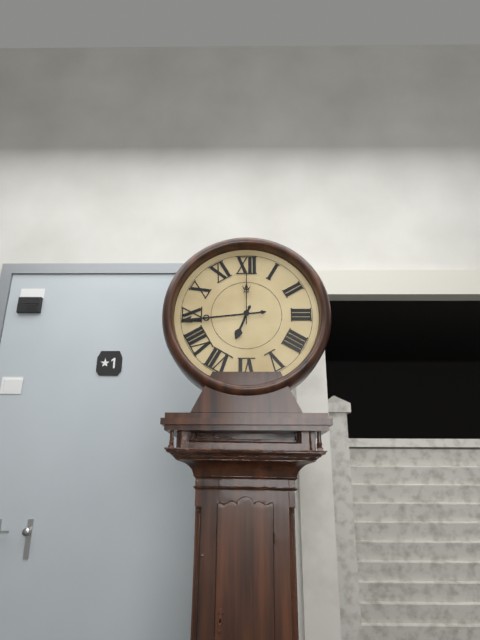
6.44.00
